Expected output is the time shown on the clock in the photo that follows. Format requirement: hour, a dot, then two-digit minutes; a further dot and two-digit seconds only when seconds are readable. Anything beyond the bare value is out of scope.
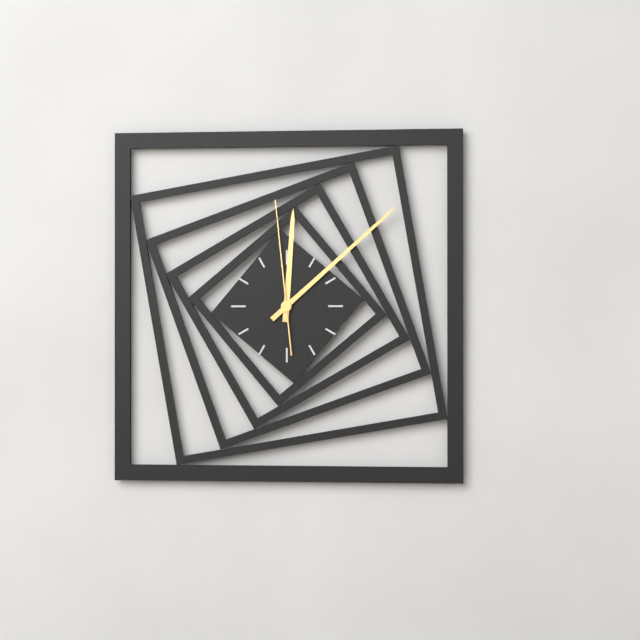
12.08.59
